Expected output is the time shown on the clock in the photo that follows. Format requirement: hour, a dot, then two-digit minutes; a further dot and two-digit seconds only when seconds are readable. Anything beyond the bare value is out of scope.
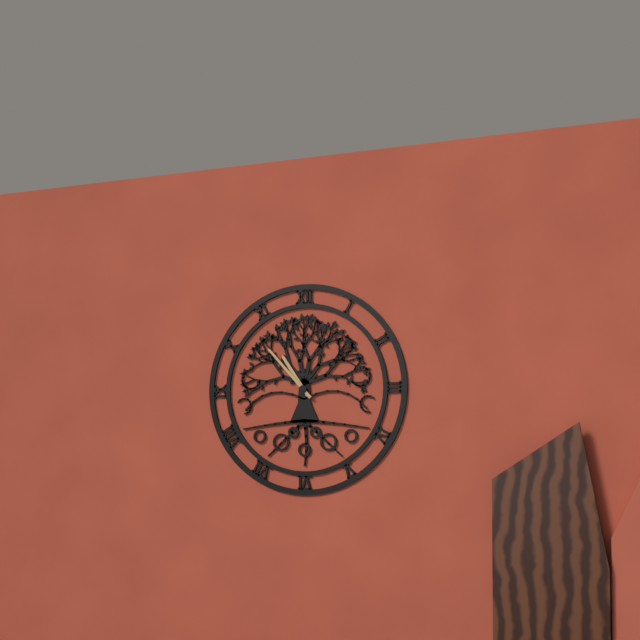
10.53
